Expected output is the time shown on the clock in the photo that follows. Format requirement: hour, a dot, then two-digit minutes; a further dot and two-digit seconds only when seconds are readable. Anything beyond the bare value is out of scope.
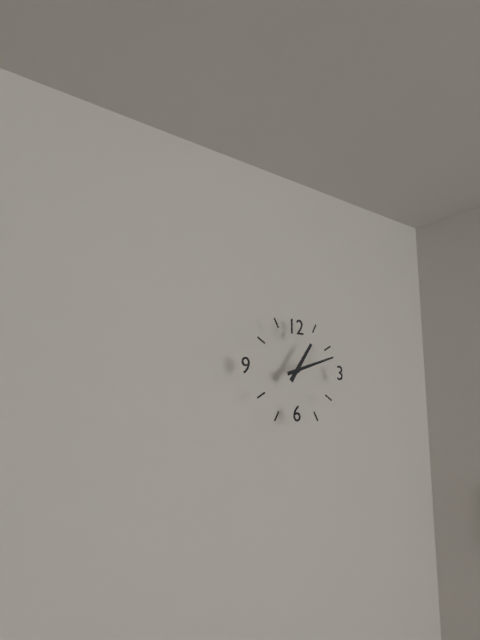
1.12
